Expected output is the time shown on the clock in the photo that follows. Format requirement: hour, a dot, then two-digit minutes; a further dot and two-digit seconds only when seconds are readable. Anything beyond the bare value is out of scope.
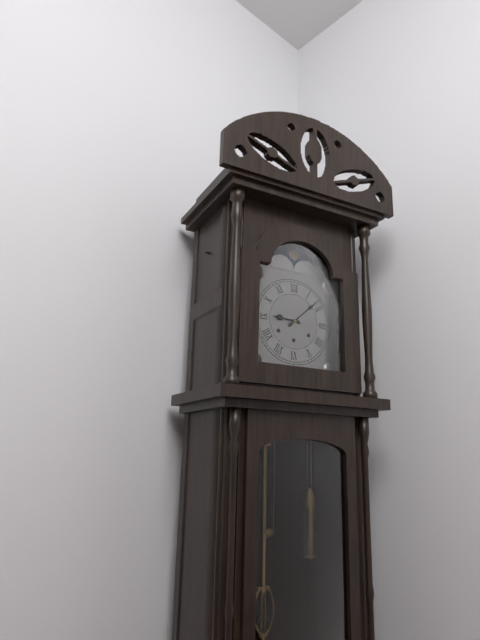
9.08
